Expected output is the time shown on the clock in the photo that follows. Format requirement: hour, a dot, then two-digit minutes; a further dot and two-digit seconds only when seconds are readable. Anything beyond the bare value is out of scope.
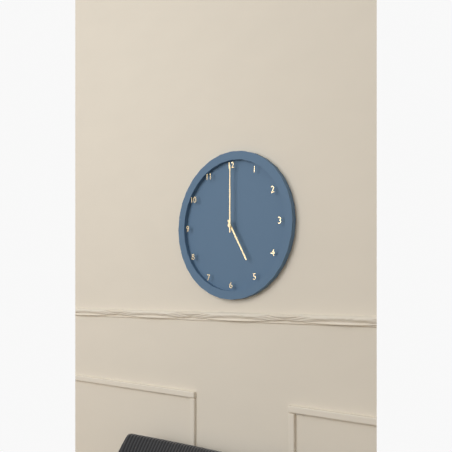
5.00
